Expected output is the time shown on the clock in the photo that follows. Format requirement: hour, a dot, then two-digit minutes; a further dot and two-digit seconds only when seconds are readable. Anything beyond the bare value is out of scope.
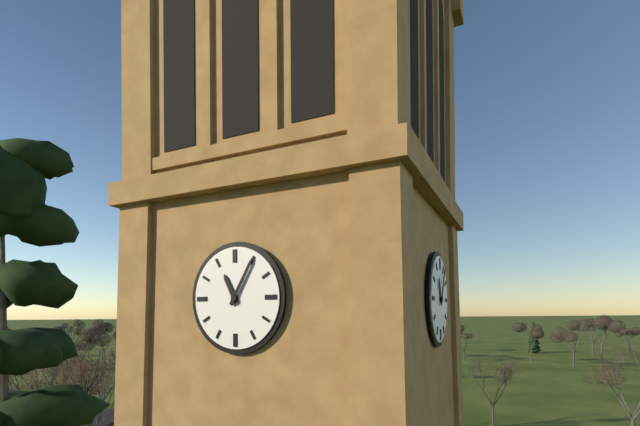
11.05
